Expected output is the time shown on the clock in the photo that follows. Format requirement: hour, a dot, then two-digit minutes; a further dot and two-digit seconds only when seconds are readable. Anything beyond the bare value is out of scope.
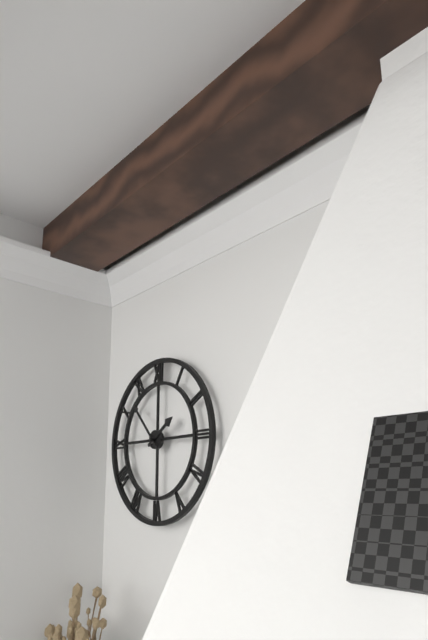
1.53
